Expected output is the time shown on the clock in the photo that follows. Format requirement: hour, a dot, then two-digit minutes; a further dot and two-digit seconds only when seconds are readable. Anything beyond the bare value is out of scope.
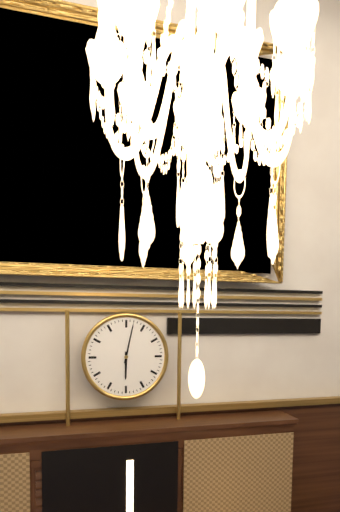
6.02
